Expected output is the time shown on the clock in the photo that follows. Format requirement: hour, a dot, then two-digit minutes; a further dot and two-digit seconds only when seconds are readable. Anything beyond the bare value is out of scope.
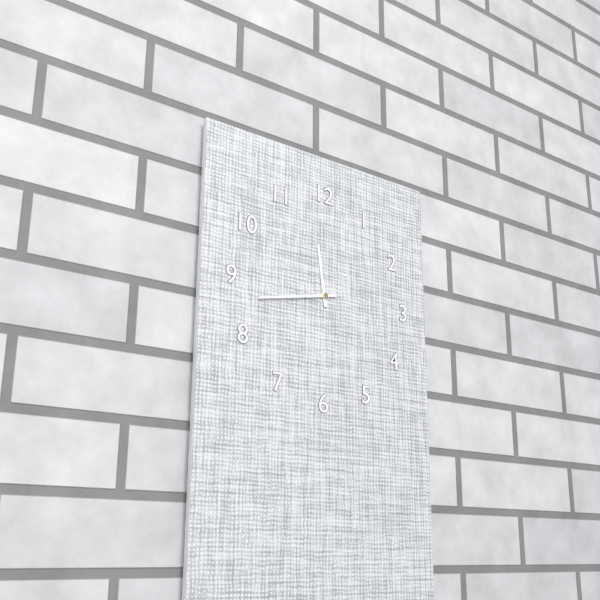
11.43
